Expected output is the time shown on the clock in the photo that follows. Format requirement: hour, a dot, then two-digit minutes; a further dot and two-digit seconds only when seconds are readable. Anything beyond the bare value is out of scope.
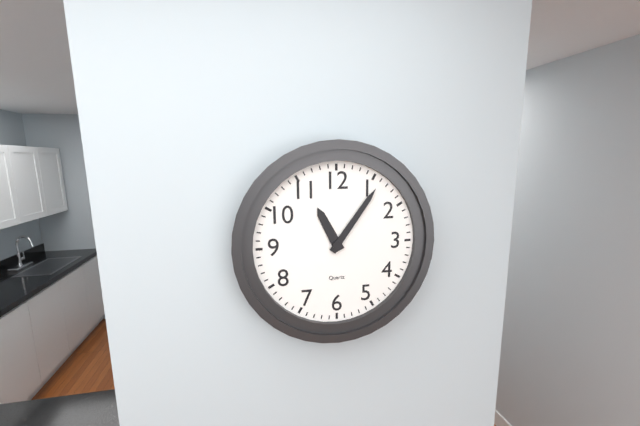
11.06
